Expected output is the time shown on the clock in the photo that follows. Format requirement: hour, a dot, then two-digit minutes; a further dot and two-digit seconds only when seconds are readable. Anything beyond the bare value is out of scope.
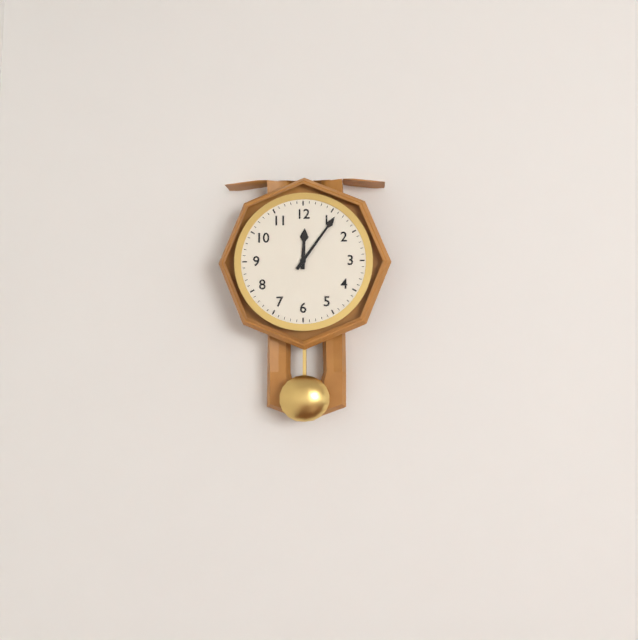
12.06
